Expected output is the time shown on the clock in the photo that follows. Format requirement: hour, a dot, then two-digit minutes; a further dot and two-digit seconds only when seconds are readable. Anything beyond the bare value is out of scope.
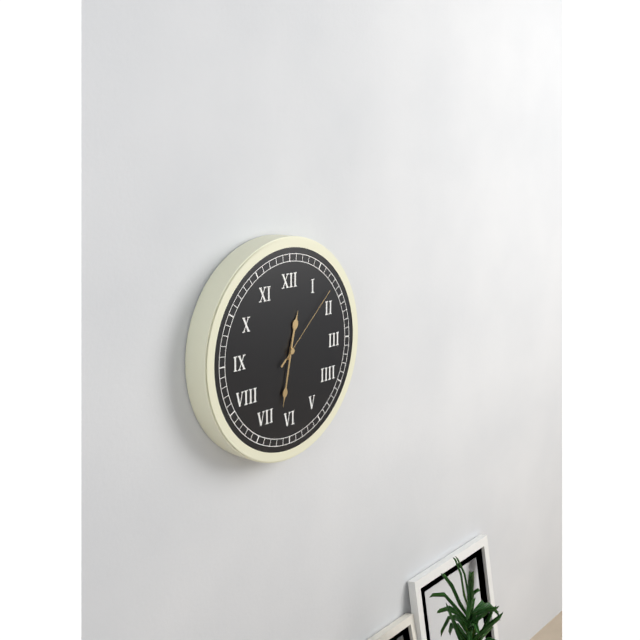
12.32.08
